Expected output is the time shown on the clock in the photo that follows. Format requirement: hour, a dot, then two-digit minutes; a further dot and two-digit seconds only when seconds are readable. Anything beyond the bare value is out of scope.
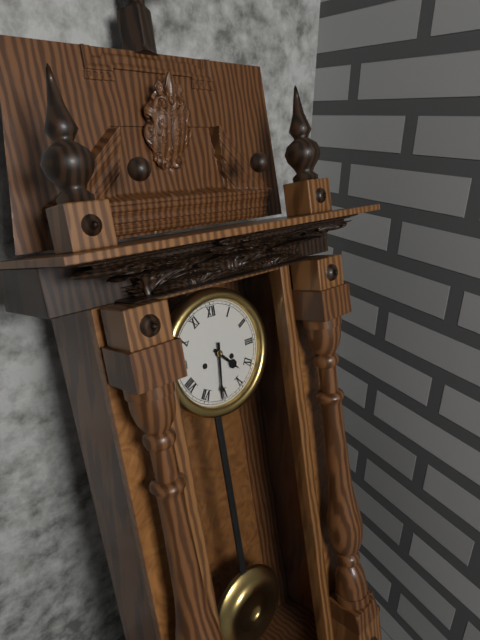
4.31
